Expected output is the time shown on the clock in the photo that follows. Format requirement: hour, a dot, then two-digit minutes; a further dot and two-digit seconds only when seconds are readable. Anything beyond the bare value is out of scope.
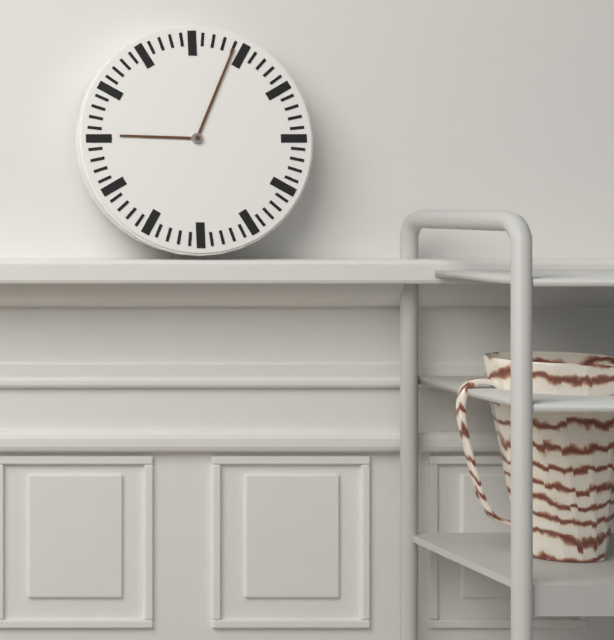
9.04
